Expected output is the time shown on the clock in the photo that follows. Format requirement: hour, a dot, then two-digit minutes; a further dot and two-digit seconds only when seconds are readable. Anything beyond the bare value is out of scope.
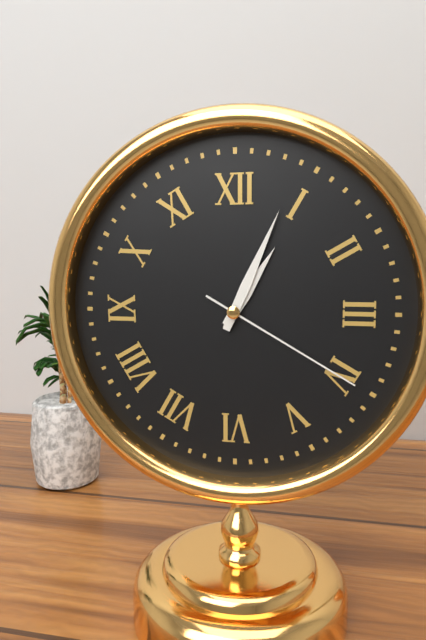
1.04.20
